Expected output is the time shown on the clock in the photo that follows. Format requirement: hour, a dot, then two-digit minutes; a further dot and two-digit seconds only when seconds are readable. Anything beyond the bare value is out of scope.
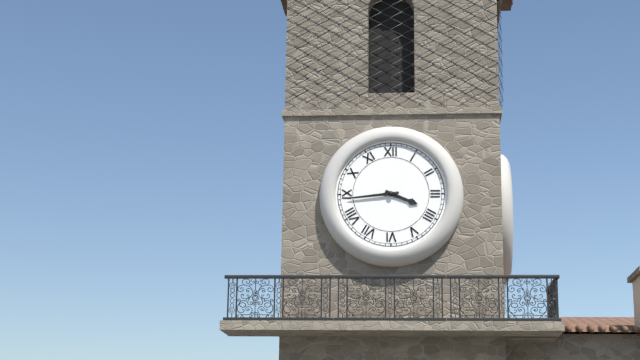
3.44
